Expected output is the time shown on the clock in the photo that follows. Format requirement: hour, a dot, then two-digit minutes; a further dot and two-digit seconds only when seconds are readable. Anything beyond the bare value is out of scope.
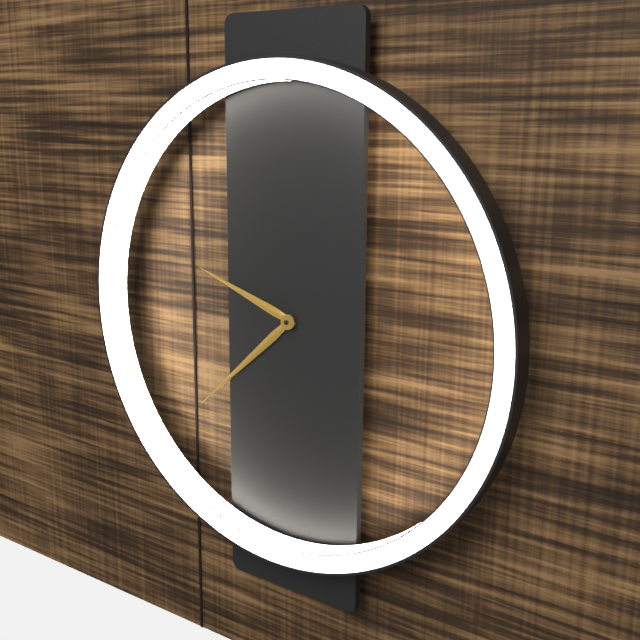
9.38
